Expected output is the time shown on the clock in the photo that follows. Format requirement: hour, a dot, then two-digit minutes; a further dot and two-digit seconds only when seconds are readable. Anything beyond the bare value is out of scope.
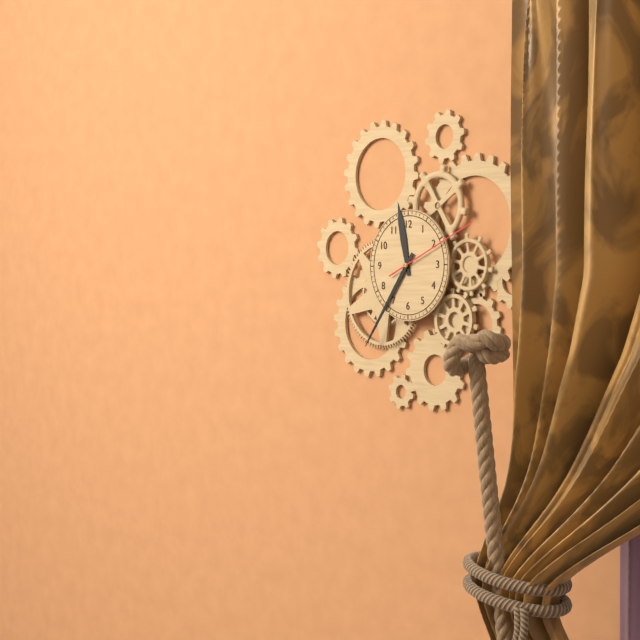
11.36.11
